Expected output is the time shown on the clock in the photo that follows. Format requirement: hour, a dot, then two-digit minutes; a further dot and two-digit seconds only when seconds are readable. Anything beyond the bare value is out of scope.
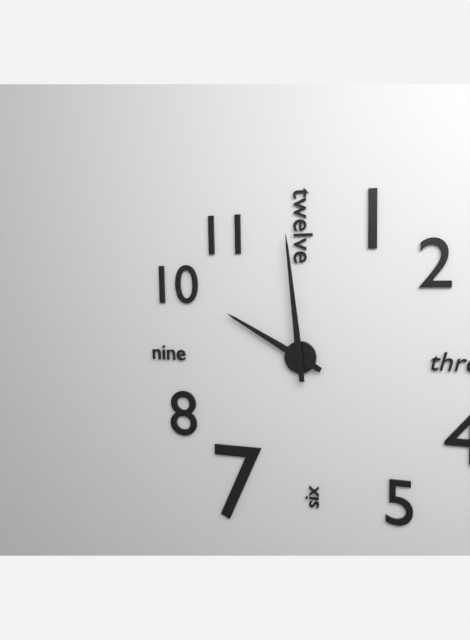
9.59
